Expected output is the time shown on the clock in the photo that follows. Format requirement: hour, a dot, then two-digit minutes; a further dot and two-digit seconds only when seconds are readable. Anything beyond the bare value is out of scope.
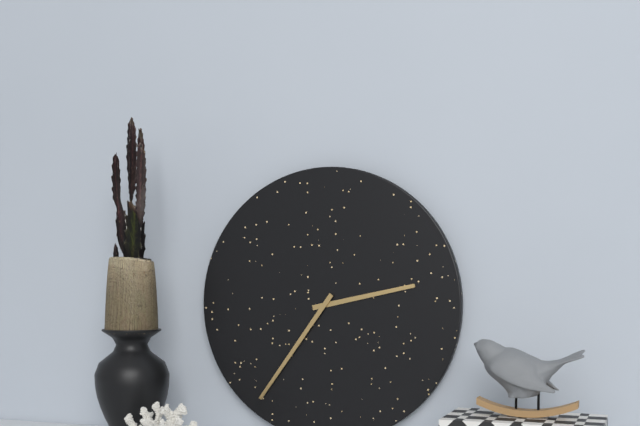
2.36
